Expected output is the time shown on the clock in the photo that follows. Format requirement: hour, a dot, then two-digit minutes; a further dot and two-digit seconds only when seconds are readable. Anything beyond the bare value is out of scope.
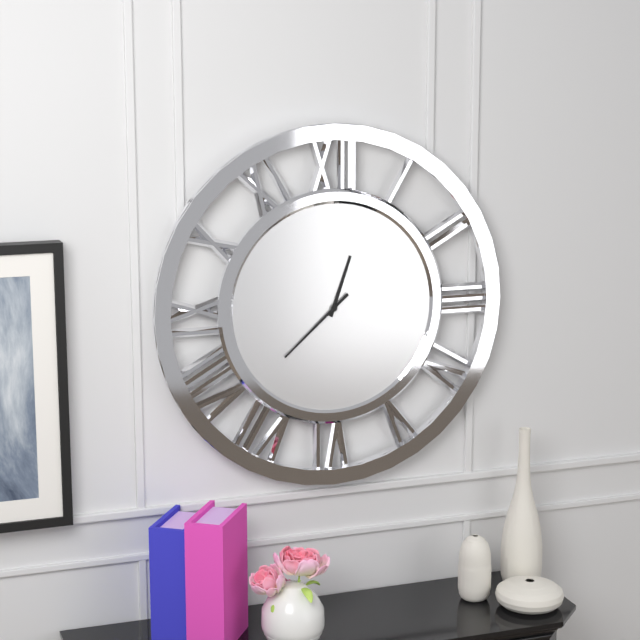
12.38
